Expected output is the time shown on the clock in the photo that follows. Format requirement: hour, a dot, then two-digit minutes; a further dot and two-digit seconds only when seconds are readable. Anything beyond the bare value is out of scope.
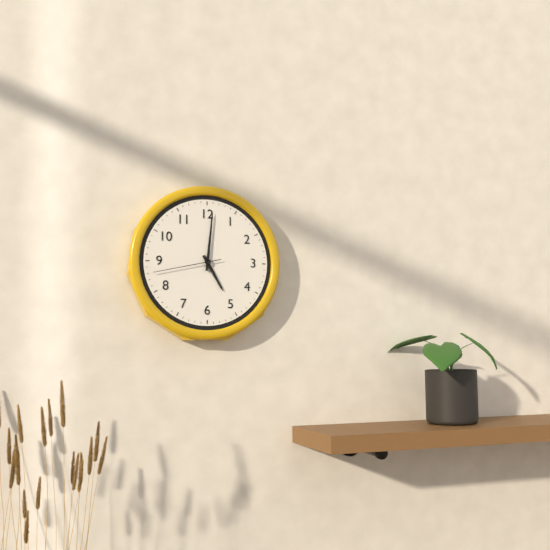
5.01.43
